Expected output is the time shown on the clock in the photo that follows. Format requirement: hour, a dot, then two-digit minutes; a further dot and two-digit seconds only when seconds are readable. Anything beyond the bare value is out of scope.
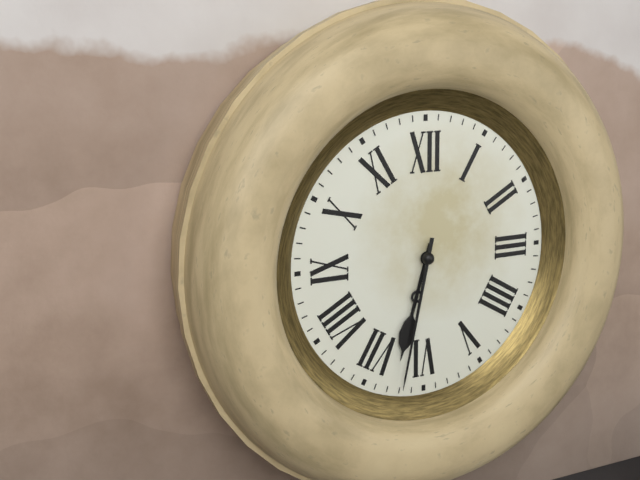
6.32
